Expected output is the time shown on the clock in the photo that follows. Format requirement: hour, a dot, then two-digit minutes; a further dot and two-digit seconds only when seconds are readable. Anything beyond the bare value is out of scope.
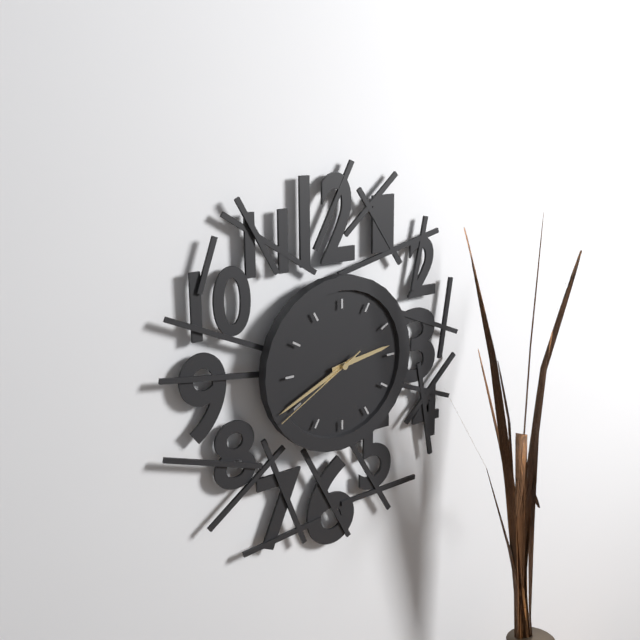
2.41.40
